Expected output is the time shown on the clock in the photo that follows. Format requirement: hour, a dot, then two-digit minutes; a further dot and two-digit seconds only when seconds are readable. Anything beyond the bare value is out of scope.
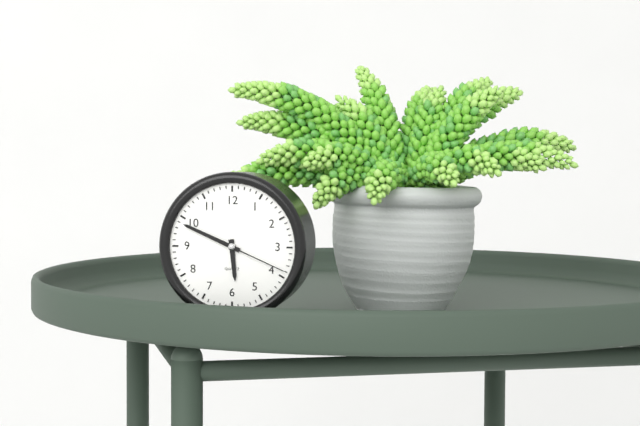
5.49.19
